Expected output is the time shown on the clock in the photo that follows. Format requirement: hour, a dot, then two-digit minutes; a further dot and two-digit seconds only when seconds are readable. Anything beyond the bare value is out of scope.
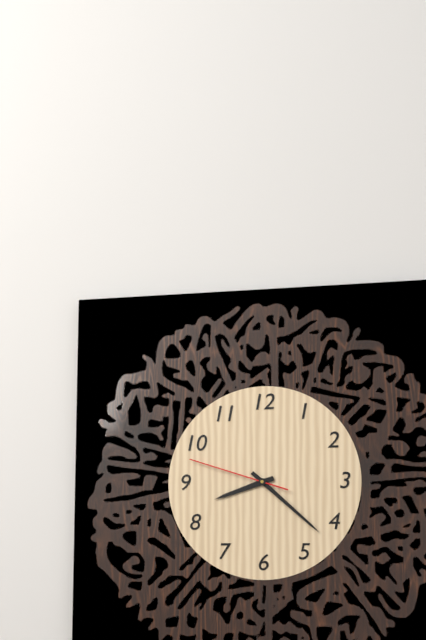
8.22.48
